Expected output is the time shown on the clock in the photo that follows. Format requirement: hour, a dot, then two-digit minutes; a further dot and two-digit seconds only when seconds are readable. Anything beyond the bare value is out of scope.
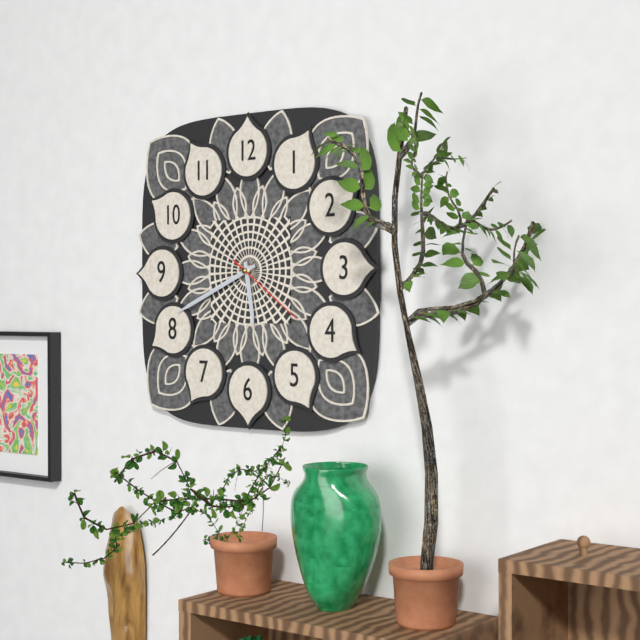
5.41.21
